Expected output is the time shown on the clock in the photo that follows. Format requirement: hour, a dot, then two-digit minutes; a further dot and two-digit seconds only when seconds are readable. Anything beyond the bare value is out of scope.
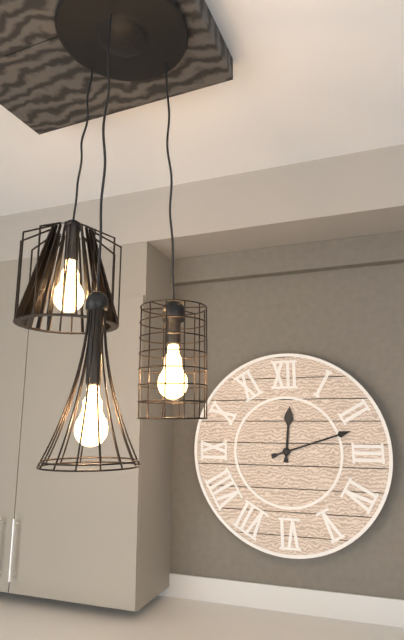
12.12
